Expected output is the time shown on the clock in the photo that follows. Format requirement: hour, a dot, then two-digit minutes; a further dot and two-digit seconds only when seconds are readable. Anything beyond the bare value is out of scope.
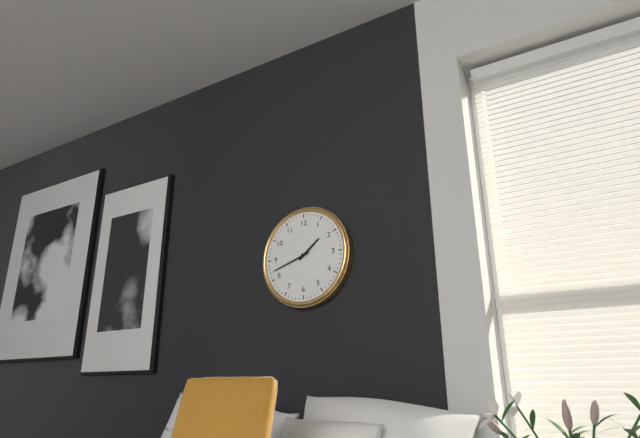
1.42
